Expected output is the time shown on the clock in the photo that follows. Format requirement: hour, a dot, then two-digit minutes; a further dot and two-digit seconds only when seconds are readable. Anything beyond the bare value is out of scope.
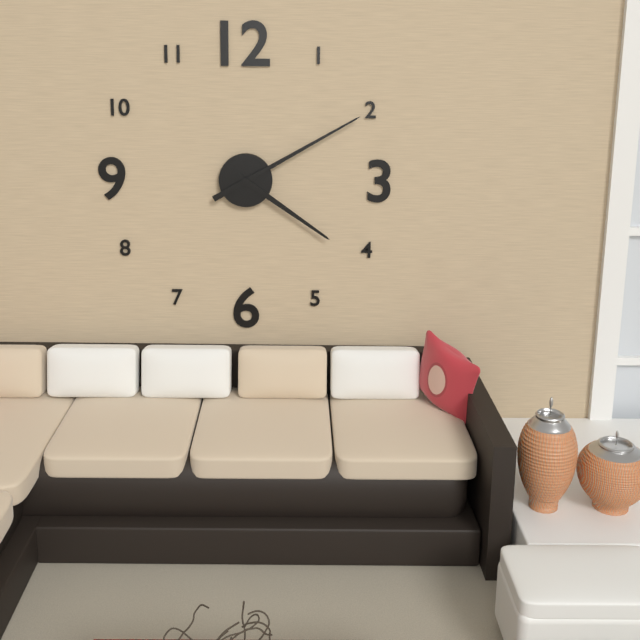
4.10
